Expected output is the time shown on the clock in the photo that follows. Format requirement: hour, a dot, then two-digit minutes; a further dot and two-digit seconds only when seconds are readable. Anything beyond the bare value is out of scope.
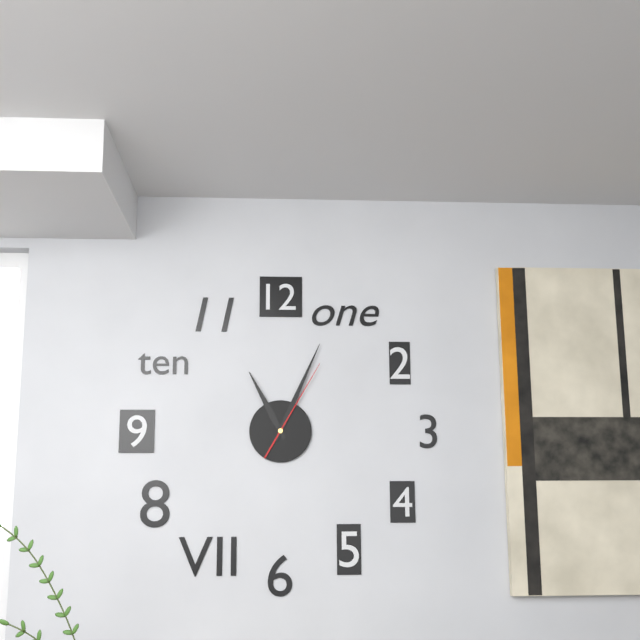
11.04.05
